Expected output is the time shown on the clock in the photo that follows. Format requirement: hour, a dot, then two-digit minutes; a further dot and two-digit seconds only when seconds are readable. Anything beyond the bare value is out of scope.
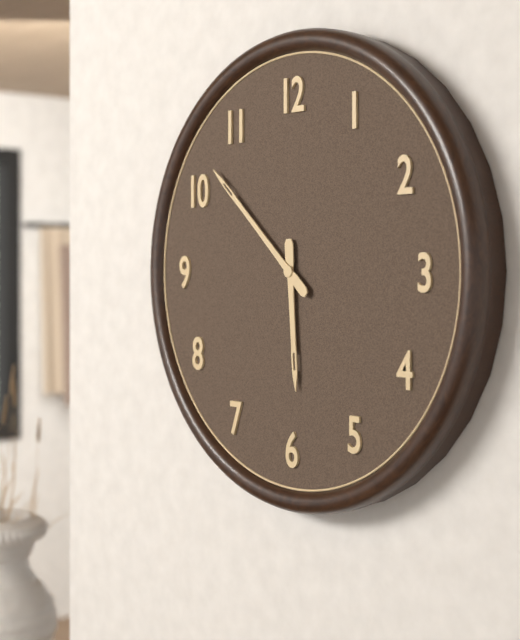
5.52
